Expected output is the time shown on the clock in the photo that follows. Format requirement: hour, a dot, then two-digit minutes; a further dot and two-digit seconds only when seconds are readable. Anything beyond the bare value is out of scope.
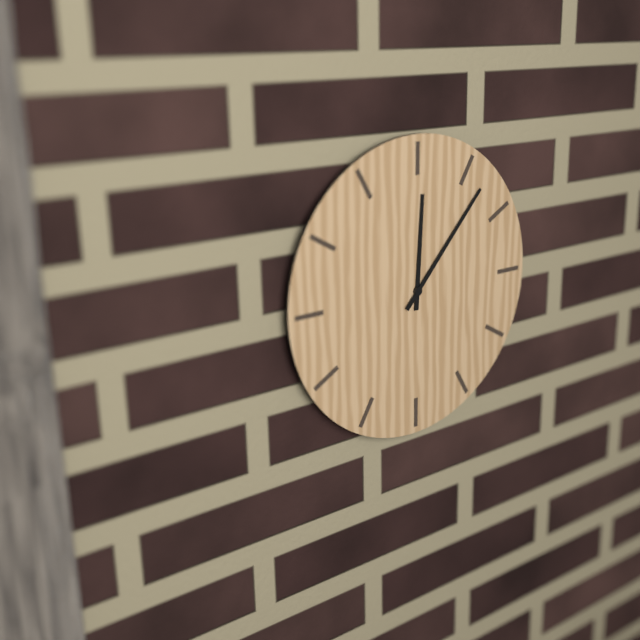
12.07
